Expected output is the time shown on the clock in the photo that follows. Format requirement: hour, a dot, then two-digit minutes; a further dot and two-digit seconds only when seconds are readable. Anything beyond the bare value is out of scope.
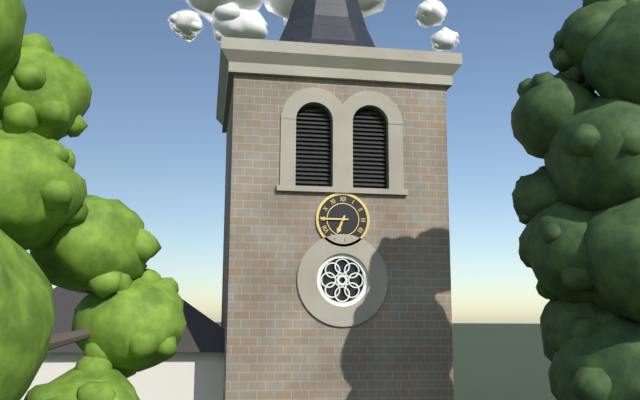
6.45
